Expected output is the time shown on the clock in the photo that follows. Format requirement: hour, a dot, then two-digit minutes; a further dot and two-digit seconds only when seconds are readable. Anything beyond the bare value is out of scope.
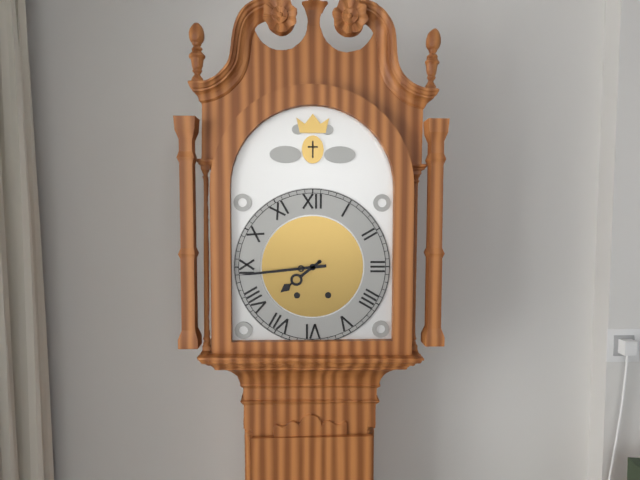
7.44
